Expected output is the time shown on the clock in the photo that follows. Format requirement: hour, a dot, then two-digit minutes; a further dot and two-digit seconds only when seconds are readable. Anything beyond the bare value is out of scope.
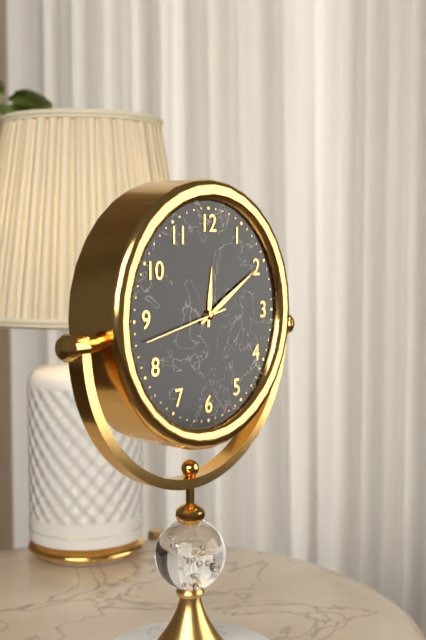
12.10.43
